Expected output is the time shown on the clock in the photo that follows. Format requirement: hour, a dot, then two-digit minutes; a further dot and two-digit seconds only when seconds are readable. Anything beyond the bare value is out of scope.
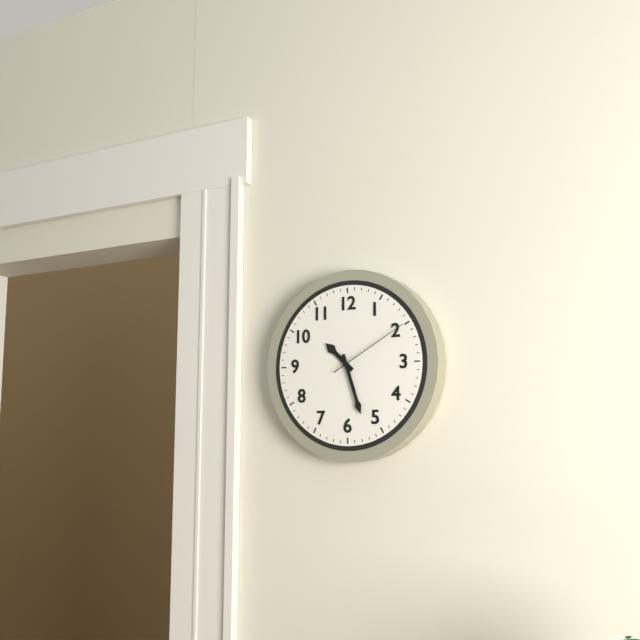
10.27.10
